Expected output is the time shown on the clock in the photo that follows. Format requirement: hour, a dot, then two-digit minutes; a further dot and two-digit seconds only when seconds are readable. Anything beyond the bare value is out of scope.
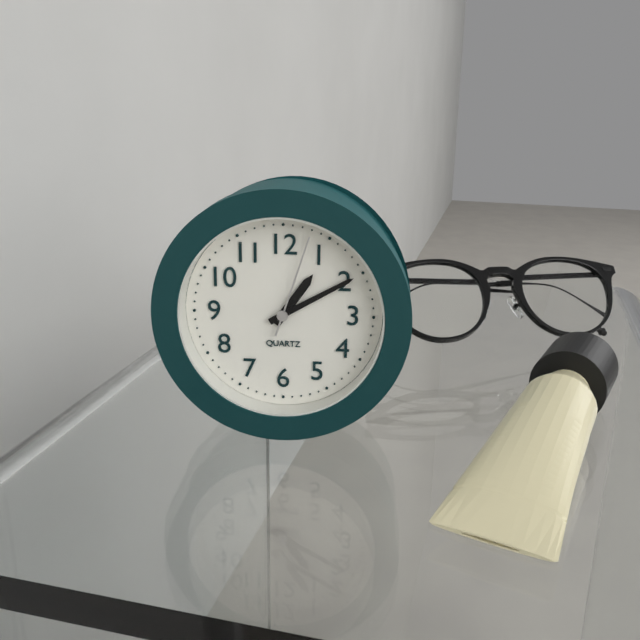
1.10.03
